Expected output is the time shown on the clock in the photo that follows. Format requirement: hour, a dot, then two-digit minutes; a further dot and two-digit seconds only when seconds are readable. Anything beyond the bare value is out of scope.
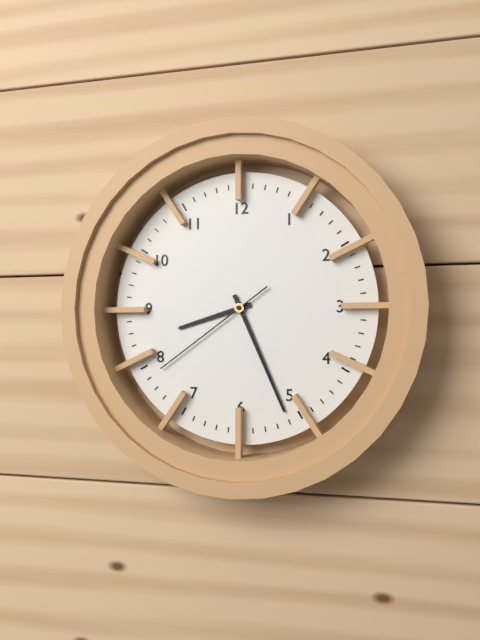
8.26.39
